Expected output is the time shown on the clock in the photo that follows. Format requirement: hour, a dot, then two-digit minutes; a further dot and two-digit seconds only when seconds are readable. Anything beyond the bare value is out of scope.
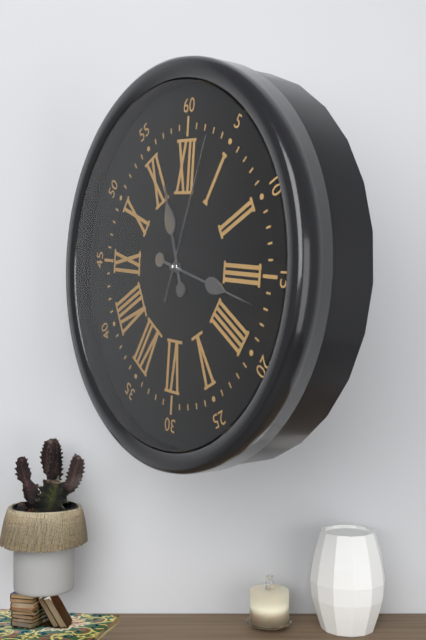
11.17.03
